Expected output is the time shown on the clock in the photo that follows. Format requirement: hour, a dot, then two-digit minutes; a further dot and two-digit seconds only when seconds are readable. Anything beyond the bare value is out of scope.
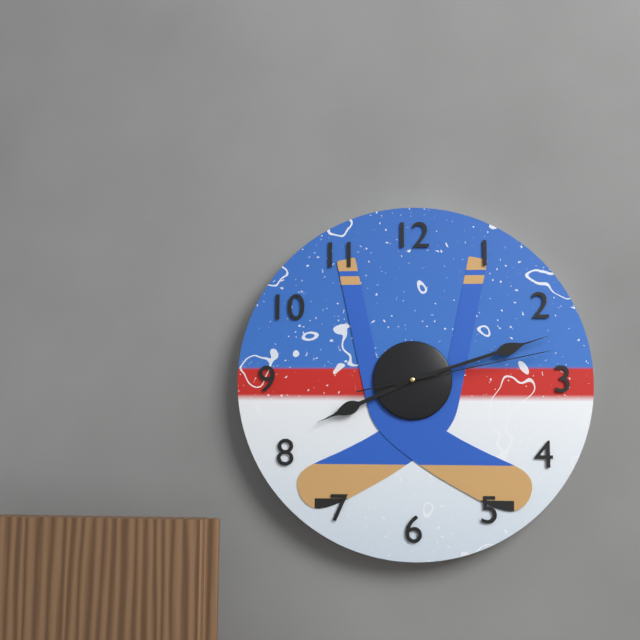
8.12.13
